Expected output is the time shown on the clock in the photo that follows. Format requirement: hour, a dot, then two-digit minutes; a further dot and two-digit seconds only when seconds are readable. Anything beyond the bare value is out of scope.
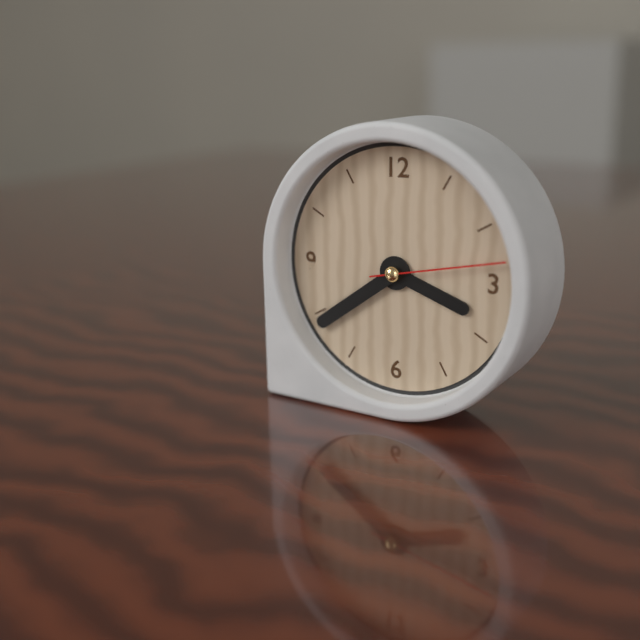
3.39.13
